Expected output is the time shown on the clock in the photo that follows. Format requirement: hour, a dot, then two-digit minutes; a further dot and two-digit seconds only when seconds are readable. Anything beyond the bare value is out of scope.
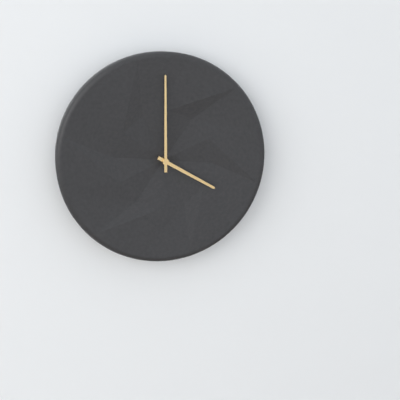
4.00
